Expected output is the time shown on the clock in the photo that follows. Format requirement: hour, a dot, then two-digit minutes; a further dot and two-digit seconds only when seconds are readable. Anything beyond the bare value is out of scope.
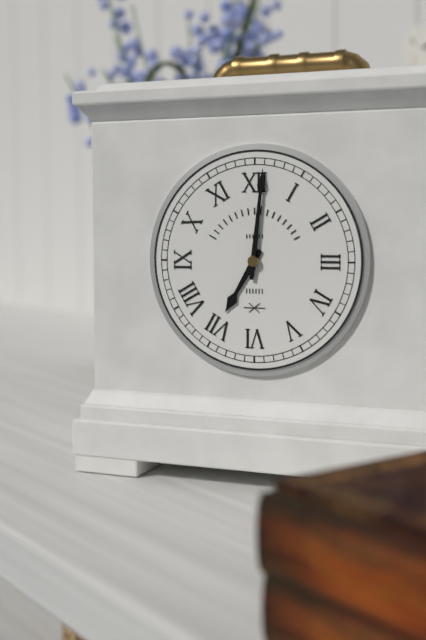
7.01
